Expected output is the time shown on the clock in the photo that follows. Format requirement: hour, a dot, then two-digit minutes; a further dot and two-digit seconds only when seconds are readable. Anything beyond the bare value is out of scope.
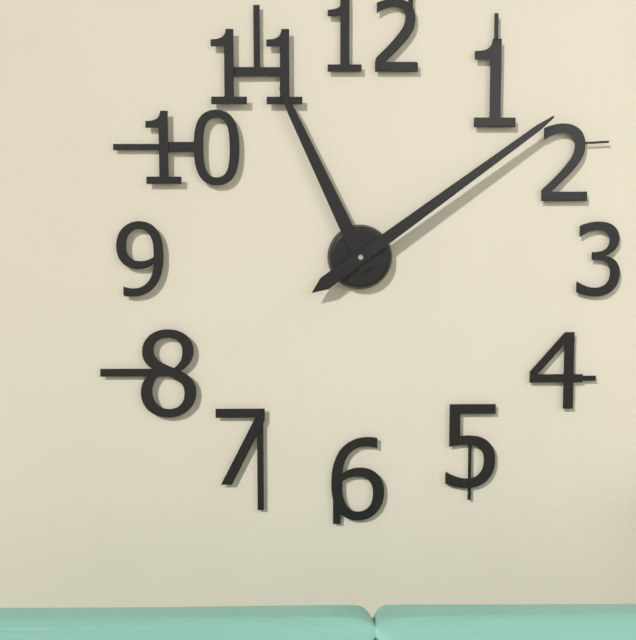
11.09
